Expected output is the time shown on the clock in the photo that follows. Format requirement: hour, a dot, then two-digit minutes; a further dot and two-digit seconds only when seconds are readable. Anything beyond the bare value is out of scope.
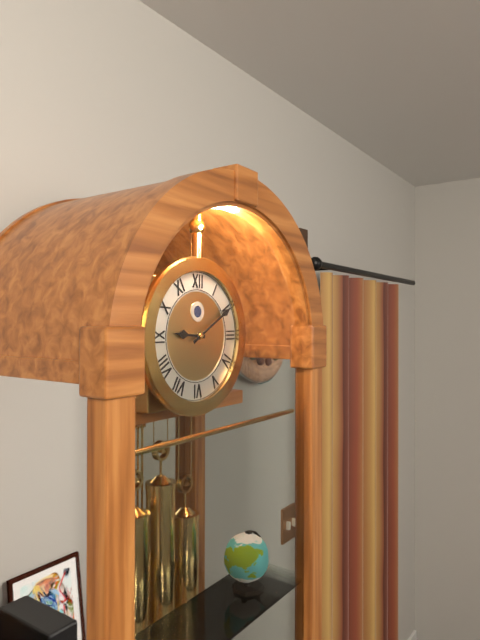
9.10
